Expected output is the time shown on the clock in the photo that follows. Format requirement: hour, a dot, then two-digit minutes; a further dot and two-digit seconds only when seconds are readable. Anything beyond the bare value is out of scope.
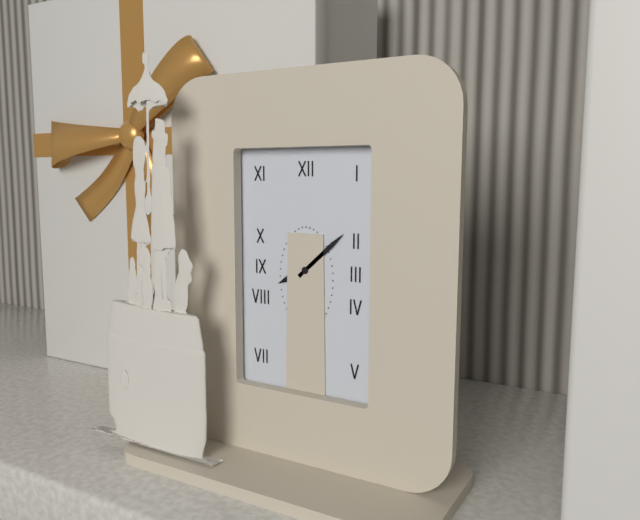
8.08
